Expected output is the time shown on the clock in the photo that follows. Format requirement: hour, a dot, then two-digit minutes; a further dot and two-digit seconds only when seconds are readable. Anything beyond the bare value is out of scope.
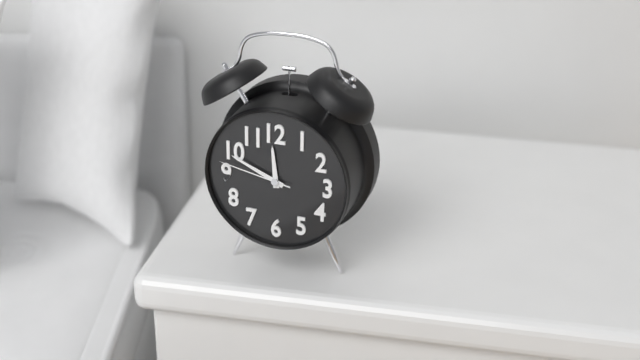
11.49.47
